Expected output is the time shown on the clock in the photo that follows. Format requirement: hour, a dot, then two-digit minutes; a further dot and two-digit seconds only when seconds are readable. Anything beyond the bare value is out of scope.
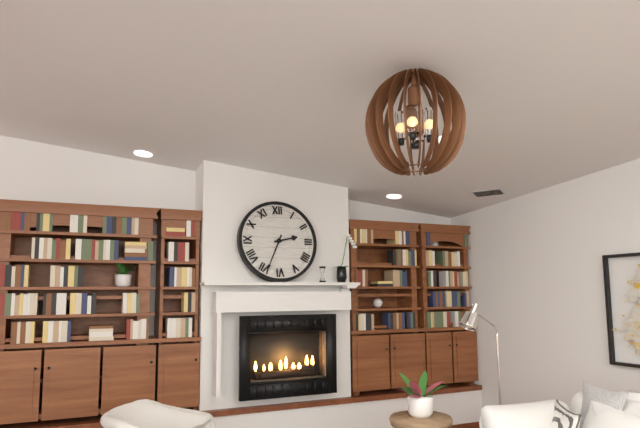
2.34
